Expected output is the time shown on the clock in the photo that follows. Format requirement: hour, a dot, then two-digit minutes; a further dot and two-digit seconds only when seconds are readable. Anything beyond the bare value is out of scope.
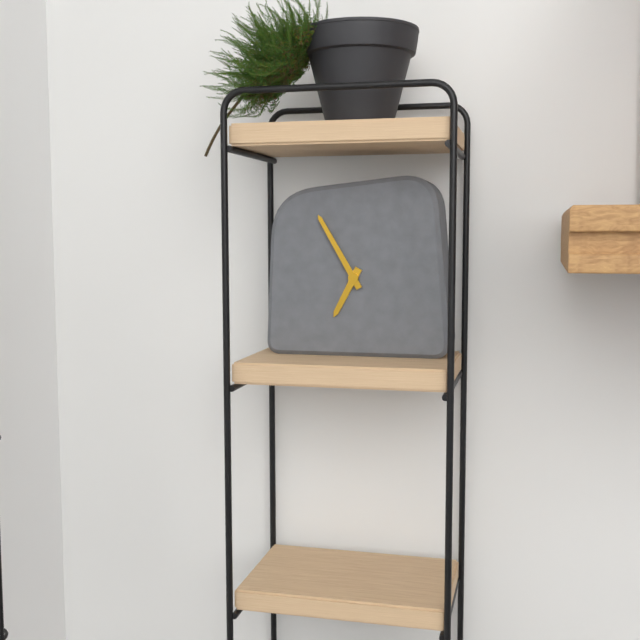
6.55
